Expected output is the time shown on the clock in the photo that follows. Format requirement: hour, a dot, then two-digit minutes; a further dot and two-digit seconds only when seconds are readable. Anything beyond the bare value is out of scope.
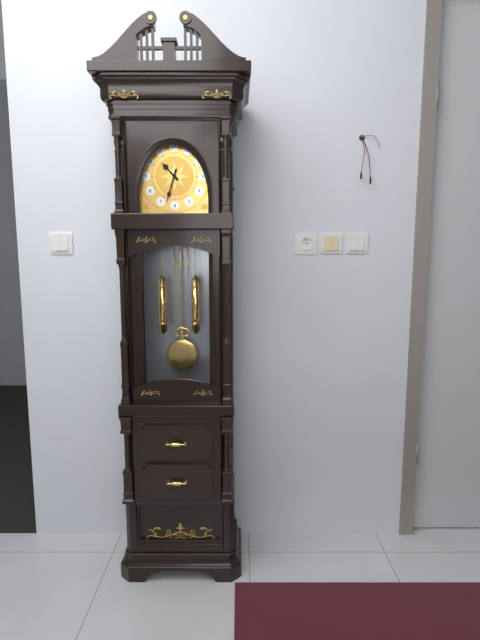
10.33
